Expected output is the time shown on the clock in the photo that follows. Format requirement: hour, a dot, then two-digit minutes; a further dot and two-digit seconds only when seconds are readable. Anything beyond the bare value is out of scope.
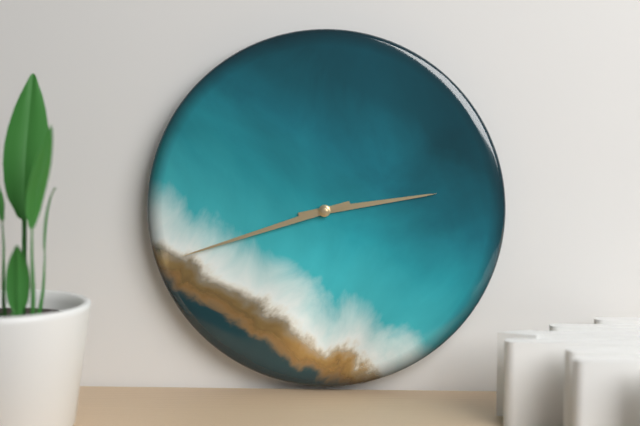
2.42
